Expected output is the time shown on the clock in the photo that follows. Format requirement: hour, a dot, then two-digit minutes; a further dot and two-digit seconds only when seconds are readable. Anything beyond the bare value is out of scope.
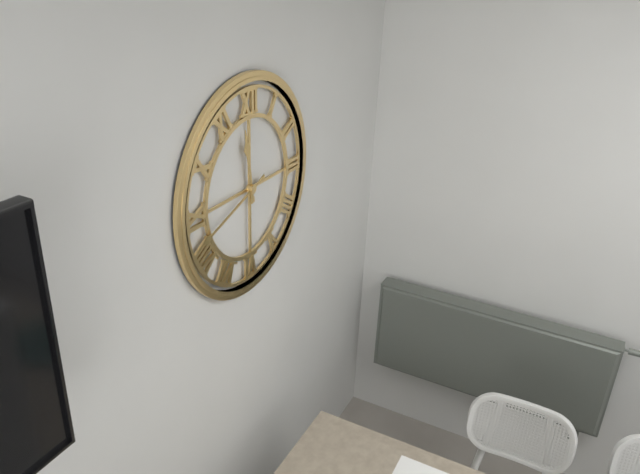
11.42
